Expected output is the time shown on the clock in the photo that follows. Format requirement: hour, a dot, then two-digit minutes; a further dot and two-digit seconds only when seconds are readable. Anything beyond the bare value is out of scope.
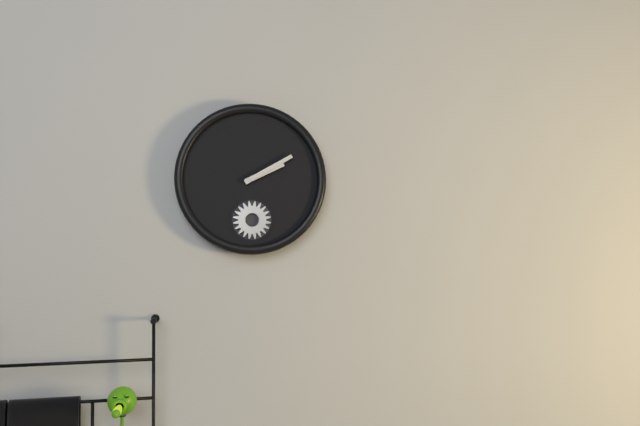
2.10
